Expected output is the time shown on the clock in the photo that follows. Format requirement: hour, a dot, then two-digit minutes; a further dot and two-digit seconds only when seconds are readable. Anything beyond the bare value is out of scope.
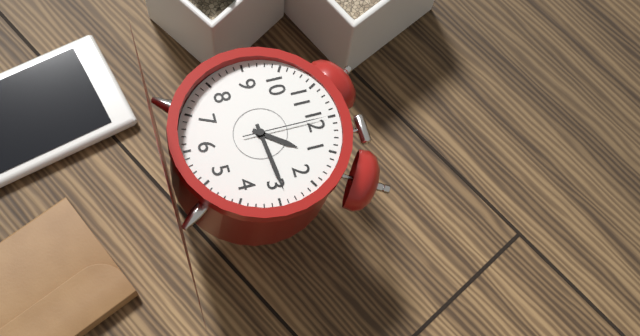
1.14.00
